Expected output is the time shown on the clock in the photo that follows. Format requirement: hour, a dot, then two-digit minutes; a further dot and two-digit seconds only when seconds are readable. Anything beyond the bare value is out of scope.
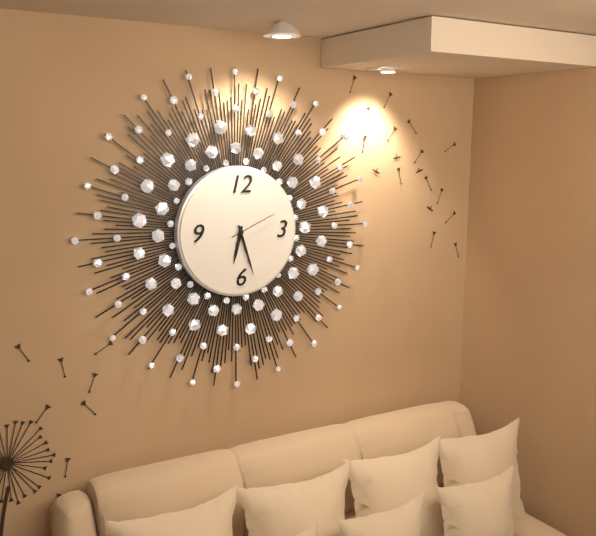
6.27
